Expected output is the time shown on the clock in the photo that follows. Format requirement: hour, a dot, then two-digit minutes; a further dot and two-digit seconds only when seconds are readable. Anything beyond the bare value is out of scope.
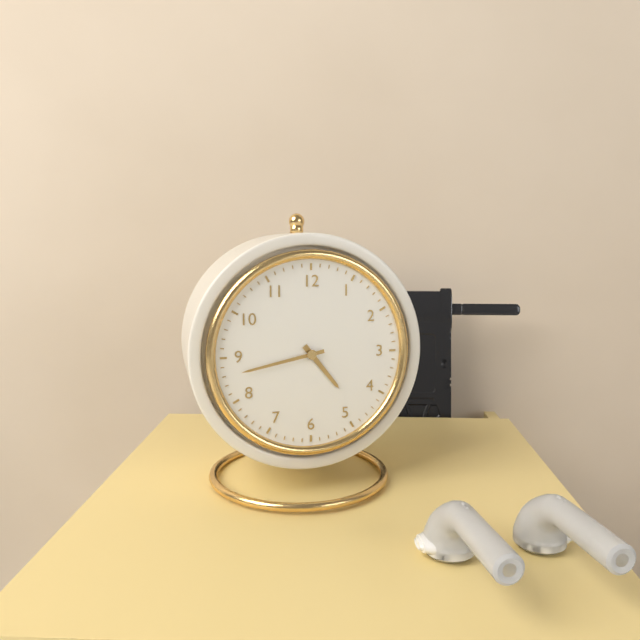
4.43
